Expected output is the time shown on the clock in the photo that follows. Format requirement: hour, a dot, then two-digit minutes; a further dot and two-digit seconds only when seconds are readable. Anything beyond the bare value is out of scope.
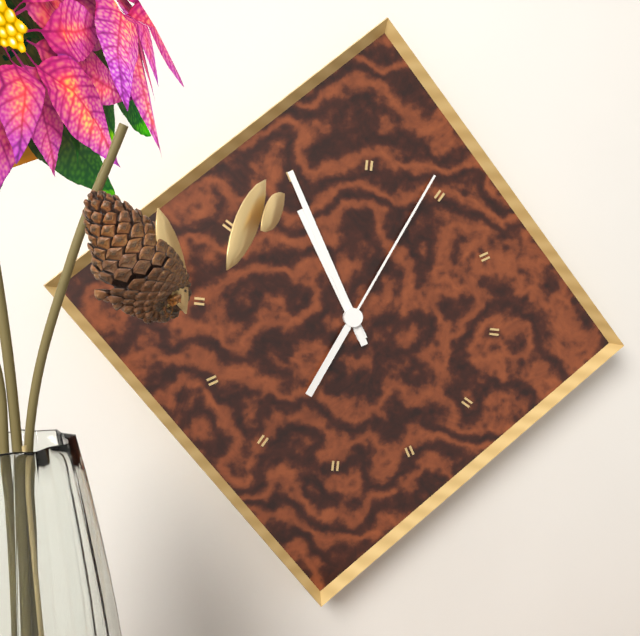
10.55.04
